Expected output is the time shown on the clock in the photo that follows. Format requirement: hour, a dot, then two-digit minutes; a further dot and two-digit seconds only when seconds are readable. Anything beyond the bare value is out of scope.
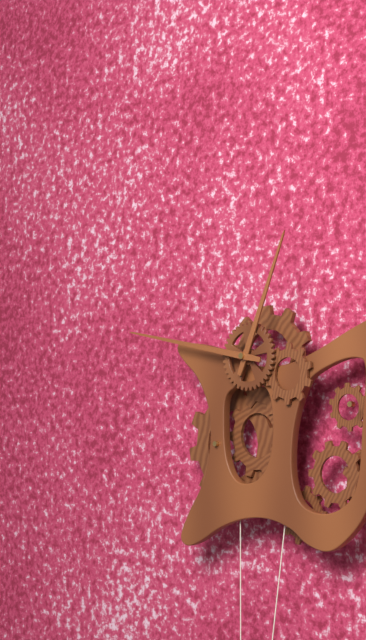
12.47
